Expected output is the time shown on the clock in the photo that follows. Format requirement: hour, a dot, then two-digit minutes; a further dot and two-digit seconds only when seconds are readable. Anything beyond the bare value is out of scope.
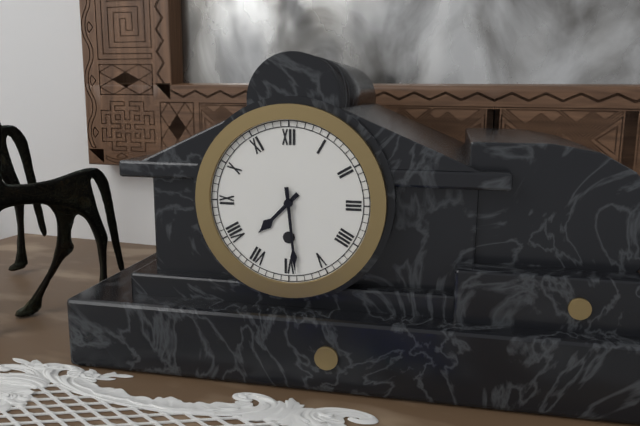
7.29
